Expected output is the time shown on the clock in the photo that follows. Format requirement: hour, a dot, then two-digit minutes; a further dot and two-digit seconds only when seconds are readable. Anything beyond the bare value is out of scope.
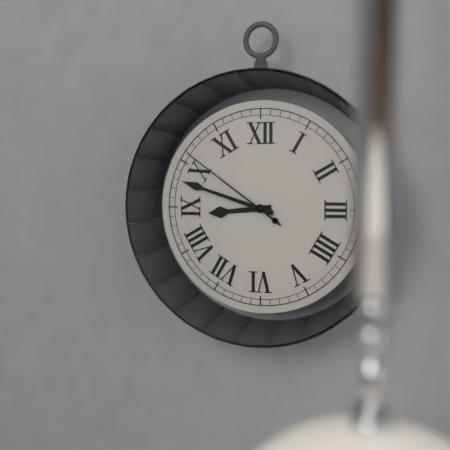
8.48.51
